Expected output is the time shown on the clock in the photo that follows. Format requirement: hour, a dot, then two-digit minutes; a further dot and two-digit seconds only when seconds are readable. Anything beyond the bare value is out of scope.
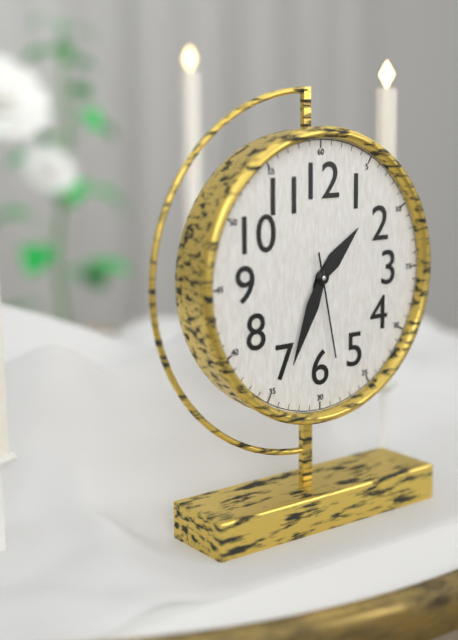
1.34.28
